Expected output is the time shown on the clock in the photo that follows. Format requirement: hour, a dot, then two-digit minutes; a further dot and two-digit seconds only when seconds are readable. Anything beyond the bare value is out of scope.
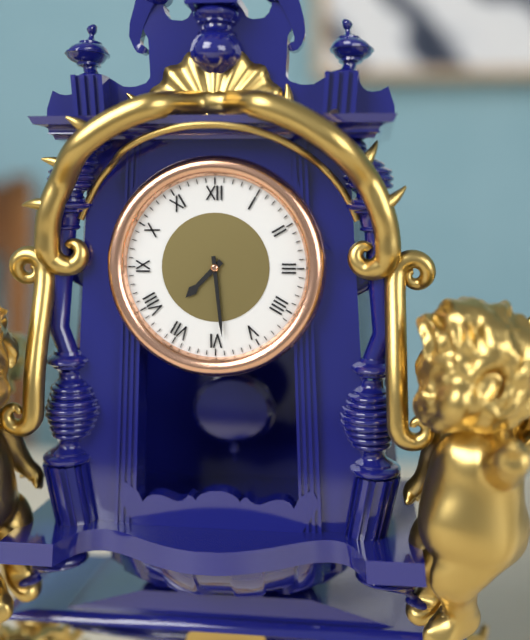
7.29
